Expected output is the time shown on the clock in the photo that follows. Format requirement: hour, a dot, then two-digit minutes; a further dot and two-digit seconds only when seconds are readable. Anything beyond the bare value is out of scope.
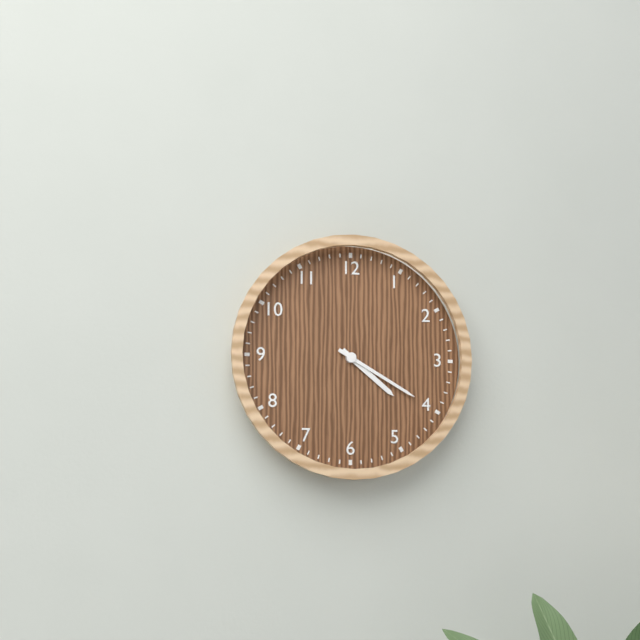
4.20
